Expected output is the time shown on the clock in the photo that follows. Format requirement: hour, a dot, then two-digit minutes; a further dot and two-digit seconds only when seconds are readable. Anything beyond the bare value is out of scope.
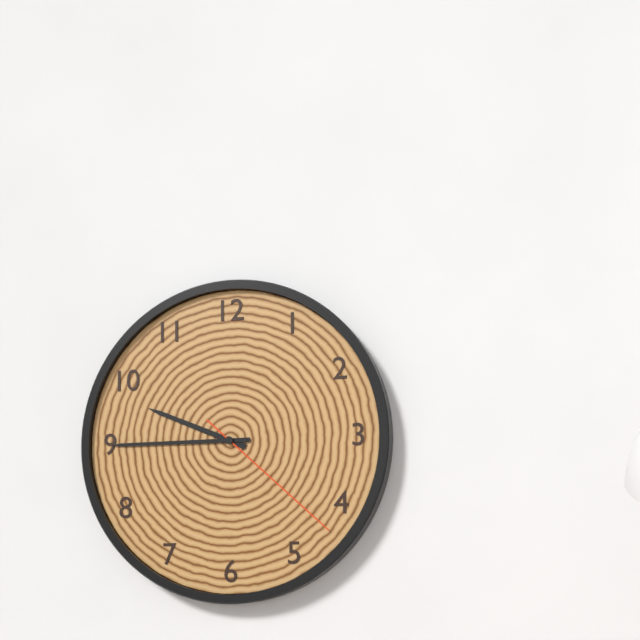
9.45.22
